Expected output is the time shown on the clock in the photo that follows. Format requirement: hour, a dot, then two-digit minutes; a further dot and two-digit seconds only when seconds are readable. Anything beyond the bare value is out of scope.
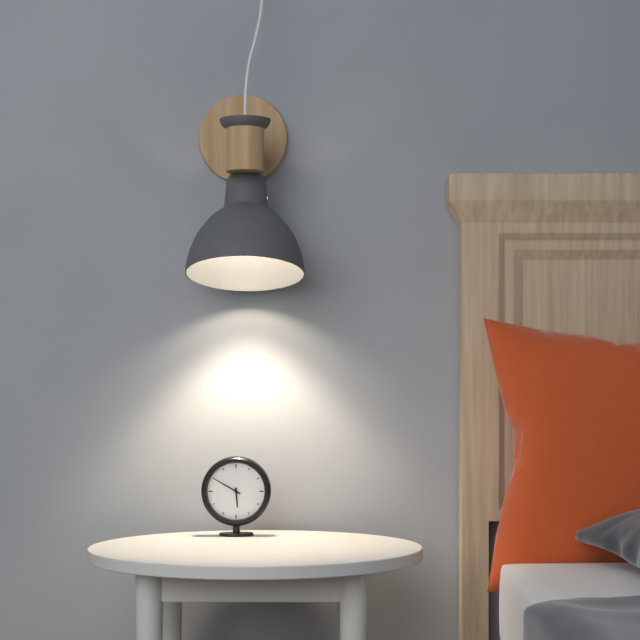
5.50
